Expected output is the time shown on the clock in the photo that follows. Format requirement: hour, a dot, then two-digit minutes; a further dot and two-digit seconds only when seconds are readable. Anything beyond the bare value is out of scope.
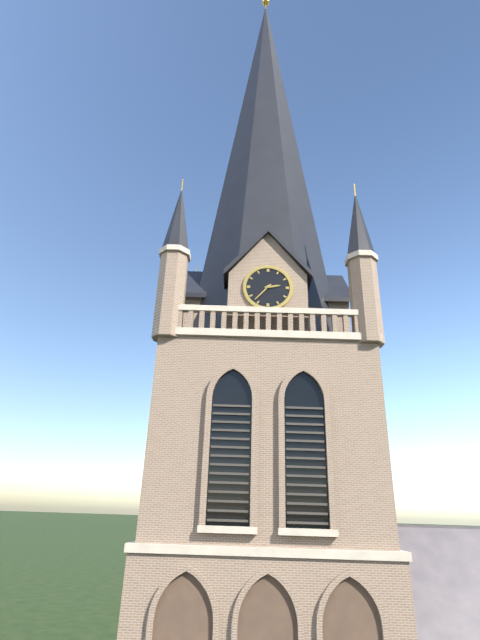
2.37
